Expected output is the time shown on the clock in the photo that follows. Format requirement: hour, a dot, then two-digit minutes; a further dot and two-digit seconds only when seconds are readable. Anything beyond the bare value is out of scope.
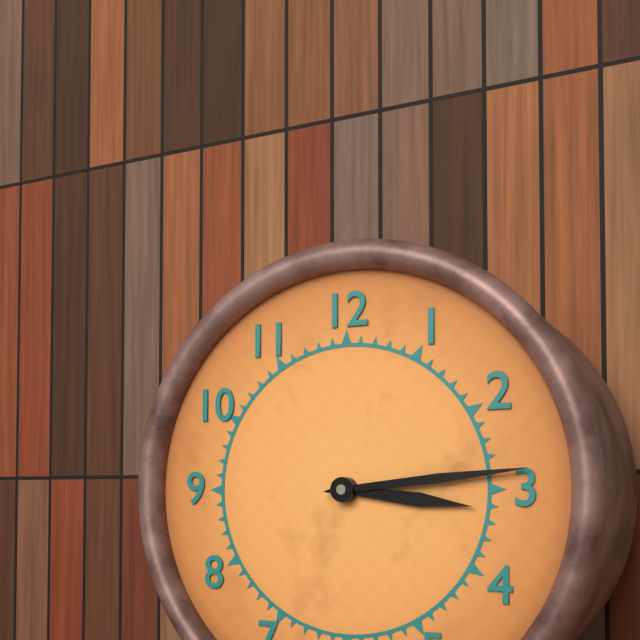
3.14
